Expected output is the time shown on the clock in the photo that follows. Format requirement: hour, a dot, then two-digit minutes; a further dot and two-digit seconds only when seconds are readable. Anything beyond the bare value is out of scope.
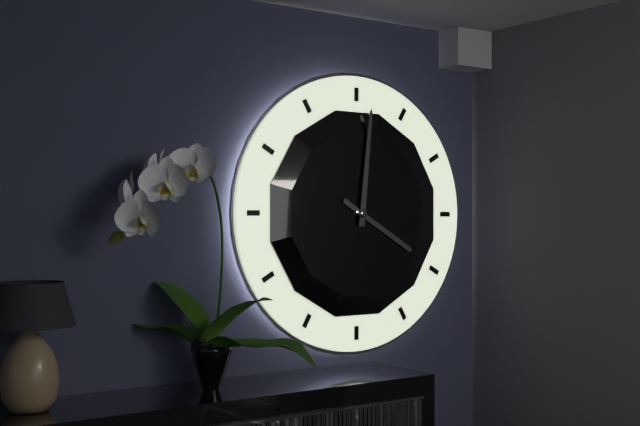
4.01
